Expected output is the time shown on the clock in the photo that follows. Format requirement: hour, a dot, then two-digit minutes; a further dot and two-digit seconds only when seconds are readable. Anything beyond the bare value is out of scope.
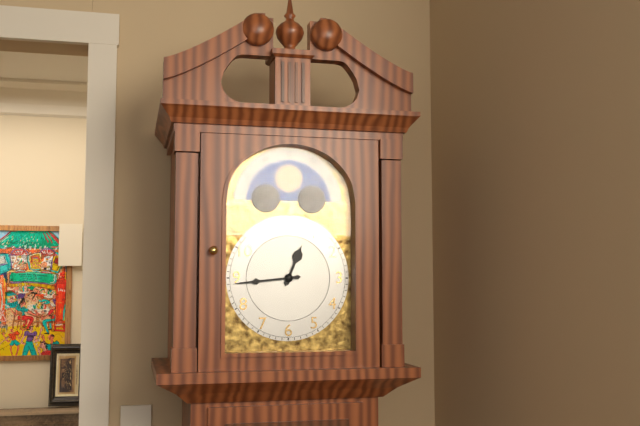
12.44
